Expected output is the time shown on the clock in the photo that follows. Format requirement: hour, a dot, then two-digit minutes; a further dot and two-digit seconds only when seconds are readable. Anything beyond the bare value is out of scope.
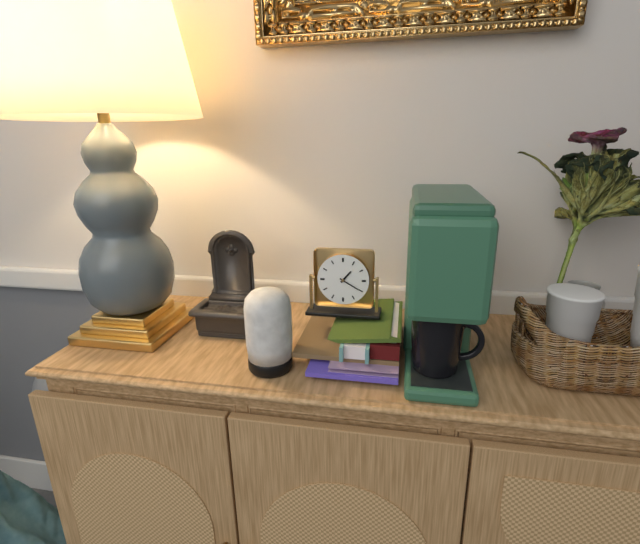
1.20
